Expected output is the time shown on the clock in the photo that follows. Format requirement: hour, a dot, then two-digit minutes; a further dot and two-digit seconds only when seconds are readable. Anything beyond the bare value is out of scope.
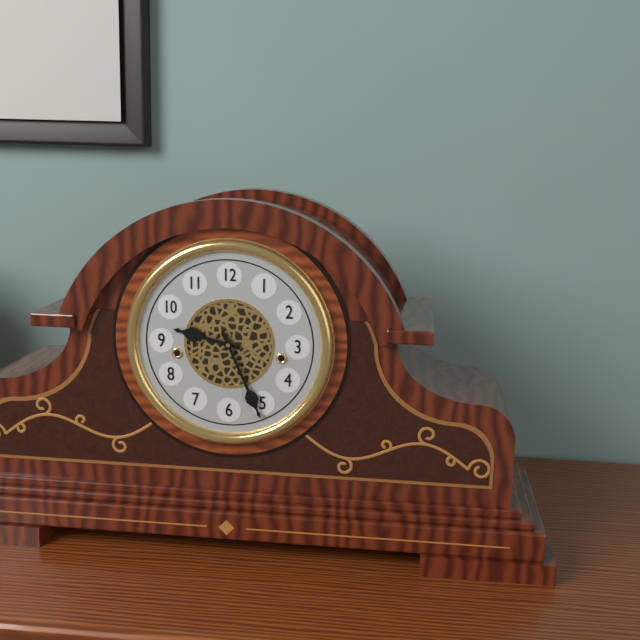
9.26
